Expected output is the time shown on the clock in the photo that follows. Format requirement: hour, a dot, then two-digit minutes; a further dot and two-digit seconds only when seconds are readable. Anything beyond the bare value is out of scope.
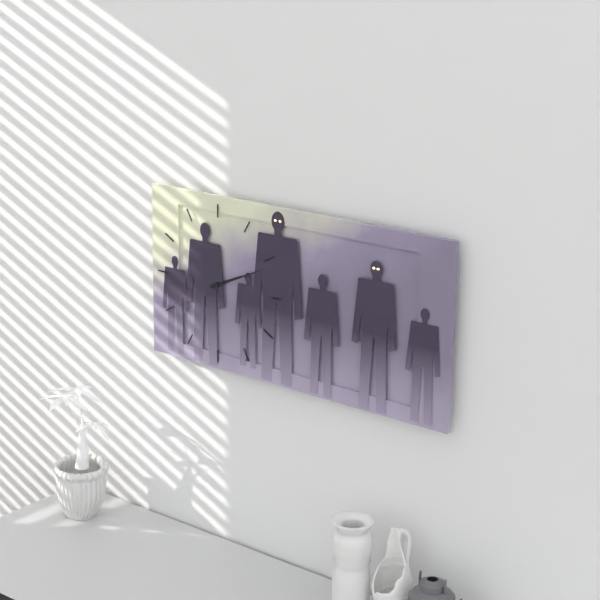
2.11
